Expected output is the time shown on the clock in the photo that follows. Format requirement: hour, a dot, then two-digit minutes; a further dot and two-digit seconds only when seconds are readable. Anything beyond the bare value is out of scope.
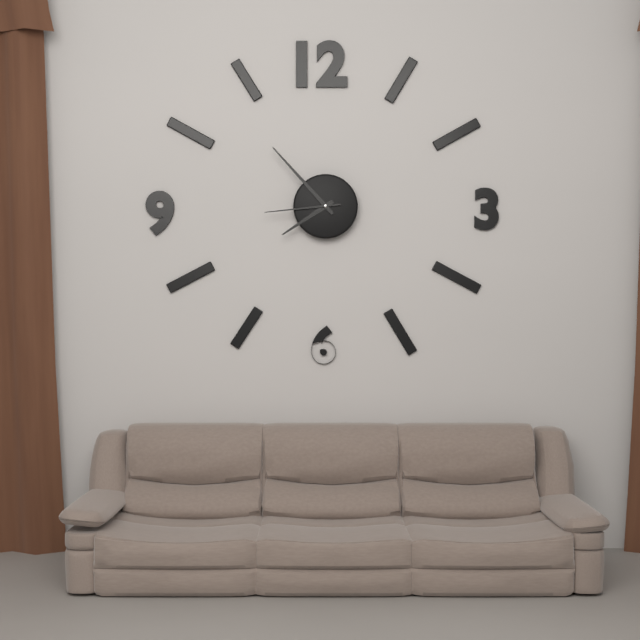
7.53.44
